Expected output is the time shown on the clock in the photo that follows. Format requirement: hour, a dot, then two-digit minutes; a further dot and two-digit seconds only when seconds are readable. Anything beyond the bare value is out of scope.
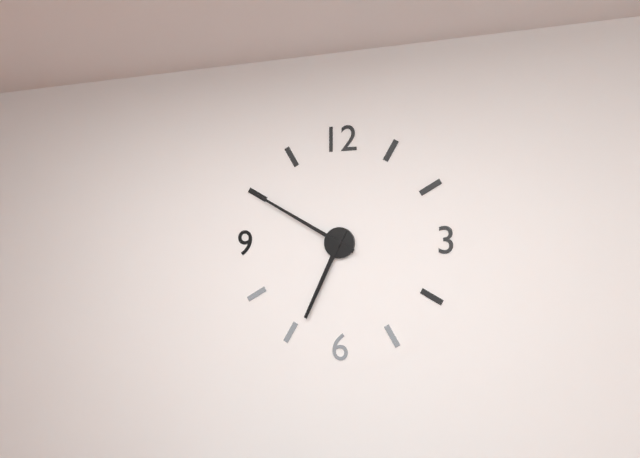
6.50
